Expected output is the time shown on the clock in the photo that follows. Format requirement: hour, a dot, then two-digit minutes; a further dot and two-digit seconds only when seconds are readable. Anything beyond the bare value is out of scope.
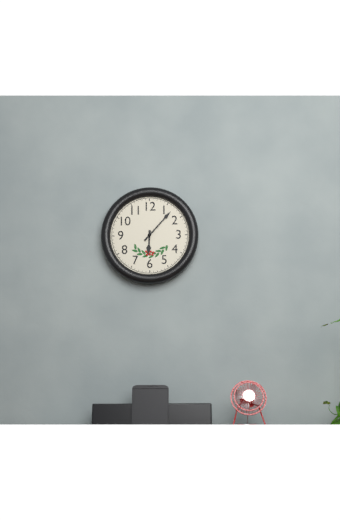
6.07
